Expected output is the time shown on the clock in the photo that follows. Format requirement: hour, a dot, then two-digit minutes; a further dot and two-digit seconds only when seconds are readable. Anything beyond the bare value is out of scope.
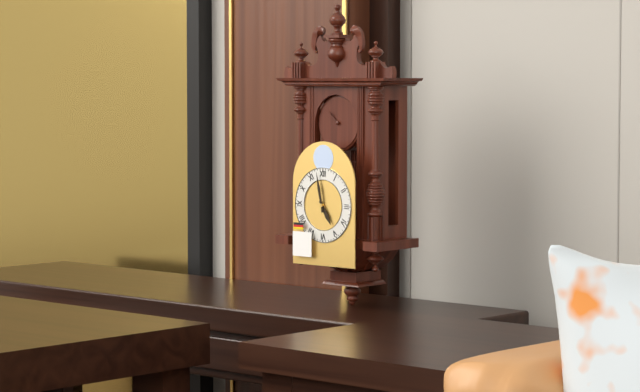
4.58
